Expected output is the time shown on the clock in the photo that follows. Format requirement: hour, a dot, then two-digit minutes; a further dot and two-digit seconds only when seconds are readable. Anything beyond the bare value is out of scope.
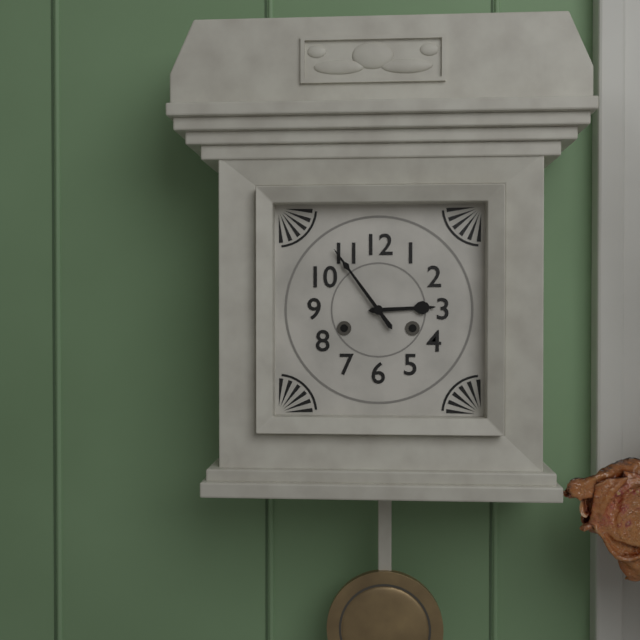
2.54
